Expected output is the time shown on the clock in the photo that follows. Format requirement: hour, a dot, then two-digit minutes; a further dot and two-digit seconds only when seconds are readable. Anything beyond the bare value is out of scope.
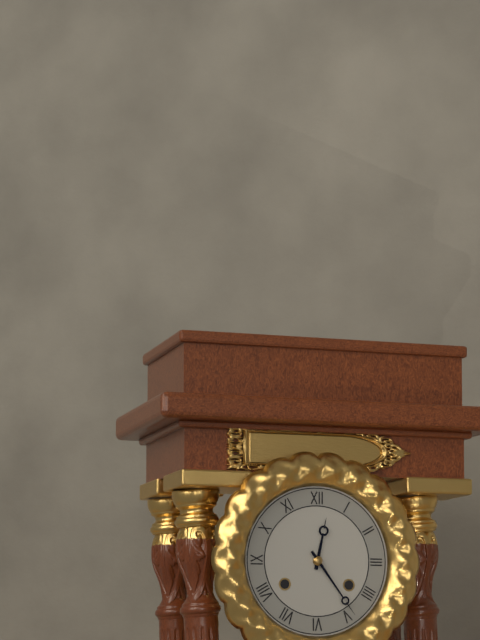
12.24
